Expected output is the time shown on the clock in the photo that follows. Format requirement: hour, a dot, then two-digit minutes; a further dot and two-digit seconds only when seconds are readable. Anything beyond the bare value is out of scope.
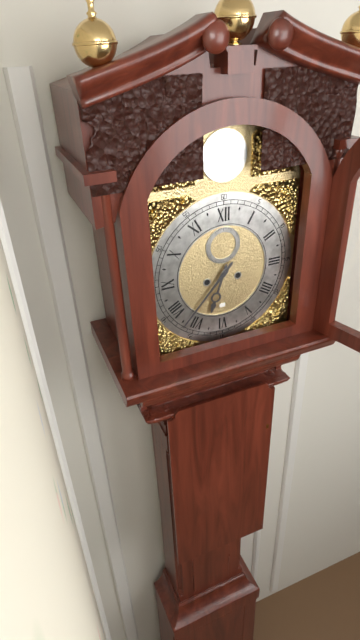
6.37
